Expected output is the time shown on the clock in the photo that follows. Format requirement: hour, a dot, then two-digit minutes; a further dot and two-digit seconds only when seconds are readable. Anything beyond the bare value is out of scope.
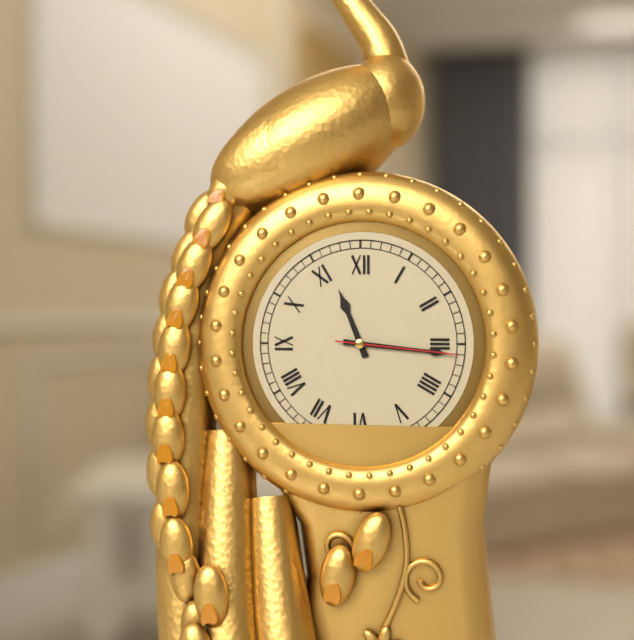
11.16.16
